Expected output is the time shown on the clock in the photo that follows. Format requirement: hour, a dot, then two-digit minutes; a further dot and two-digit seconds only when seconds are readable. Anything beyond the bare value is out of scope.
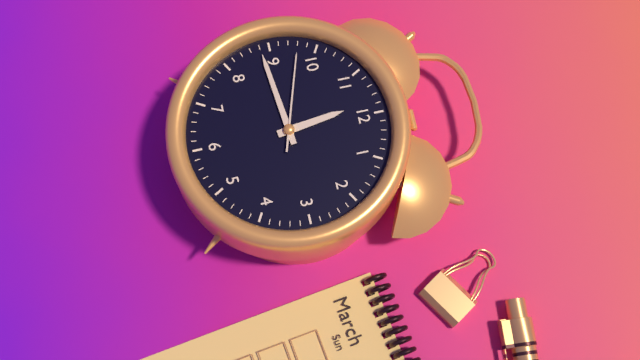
11.44.48
